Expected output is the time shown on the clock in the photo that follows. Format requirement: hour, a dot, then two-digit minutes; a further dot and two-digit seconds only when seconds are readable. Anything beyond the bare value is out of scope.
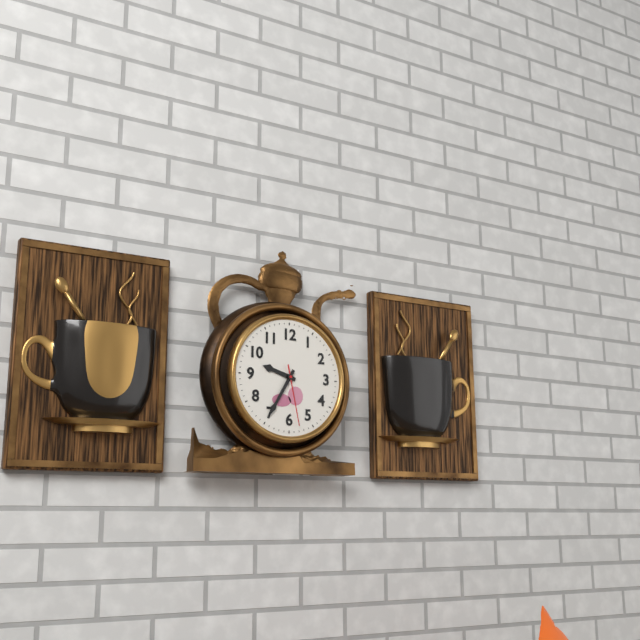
9.35.28
